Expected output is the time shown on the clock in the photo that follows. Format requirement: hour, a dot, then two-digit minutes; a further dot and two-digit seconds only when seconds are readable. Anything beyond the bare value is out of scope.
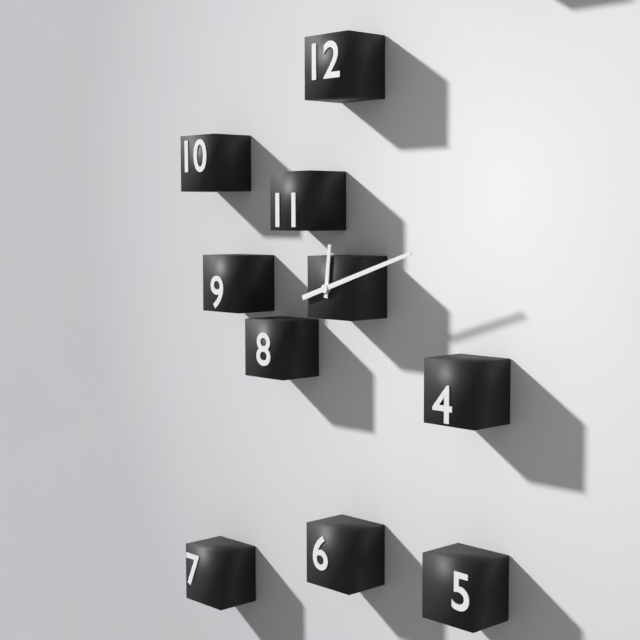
12.12
